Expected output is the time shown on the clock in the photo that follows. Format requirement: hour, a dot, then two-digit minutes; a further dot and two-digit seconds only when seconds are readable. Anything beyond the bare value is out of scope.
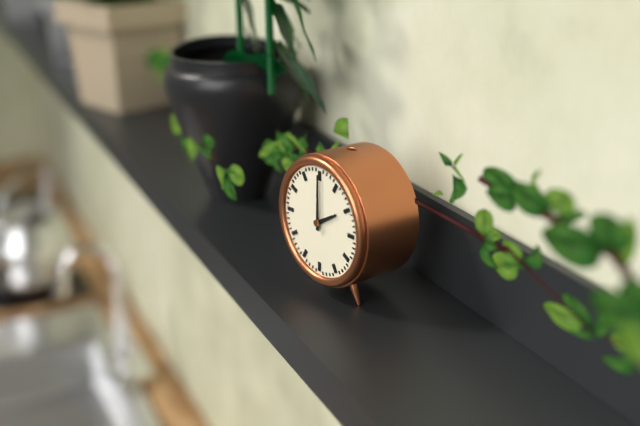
2.00
